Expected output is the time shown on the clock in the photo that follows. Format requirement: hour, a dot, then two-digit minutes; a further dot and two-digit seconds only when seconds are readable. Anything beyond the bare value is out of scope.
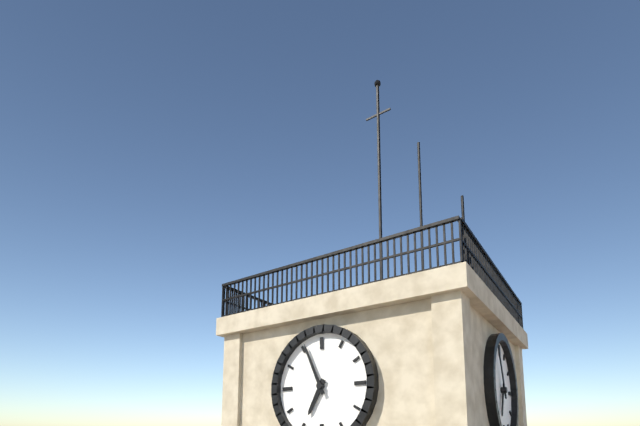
6.56
